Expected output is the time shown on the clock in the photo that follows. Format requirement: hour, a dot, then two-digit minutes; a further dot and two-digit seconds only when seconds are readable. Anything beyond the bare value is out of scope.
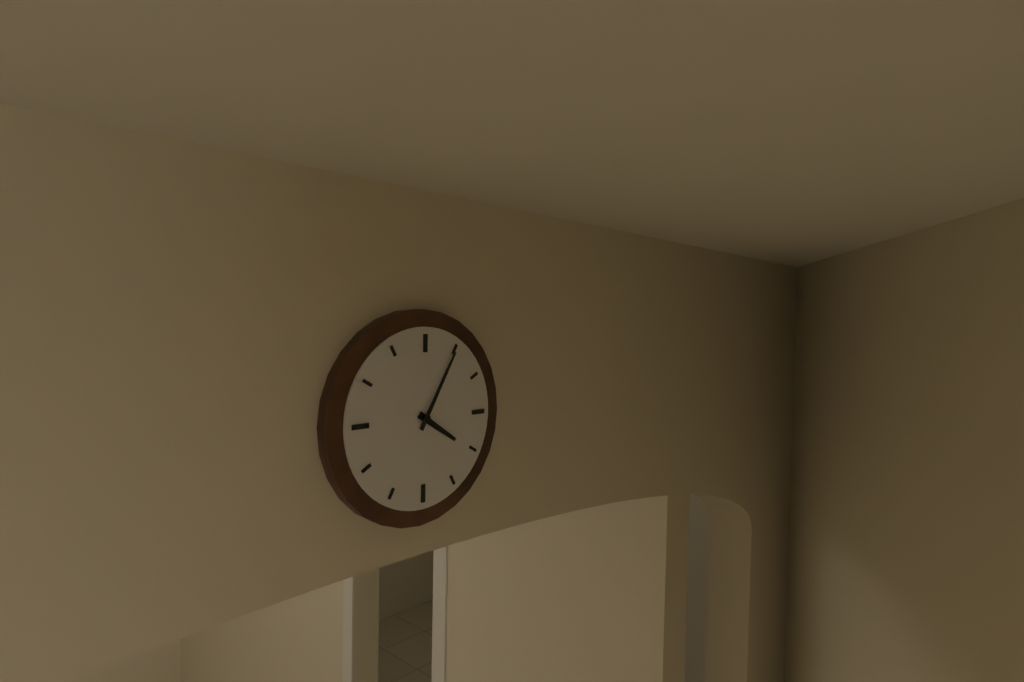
4.05
